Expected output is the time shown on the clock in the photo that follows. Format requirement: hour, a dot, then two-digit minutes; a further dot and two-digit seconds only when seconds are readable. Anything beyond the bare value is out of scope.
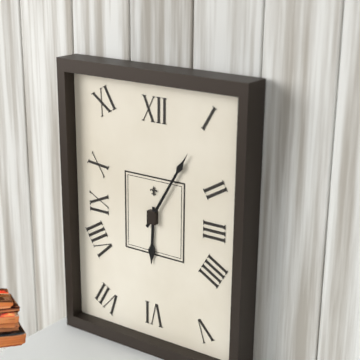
6.05
